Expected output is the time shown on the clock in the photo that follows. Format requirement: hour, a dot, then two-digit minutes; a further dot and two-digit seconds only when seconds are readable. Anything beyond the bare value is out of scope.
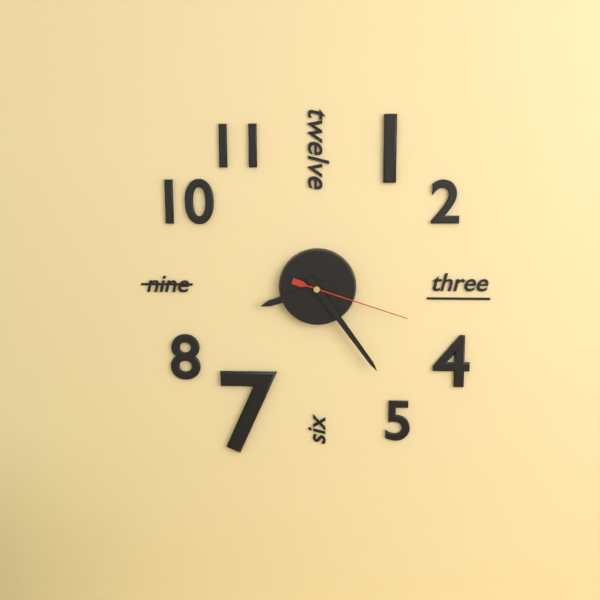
8.24.18
